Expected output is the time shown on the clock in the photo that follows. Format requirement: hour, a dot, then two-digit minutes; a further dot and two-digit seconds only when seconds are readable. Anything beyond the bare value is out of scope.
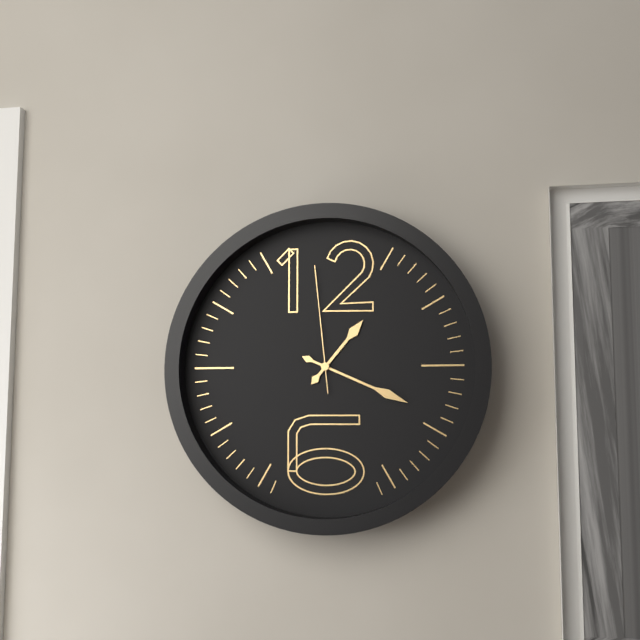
1.19.59
